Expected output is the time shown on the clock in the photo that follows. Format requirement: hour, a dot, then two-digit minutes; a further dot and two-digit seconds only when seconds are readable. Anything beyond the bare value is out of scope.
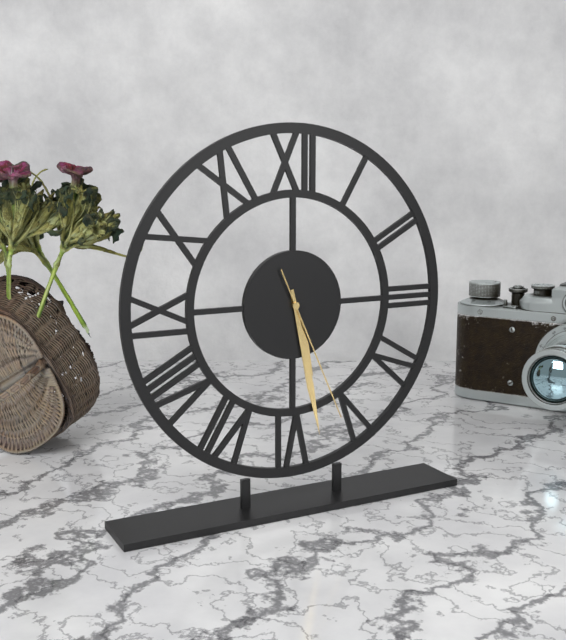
5.28.26
